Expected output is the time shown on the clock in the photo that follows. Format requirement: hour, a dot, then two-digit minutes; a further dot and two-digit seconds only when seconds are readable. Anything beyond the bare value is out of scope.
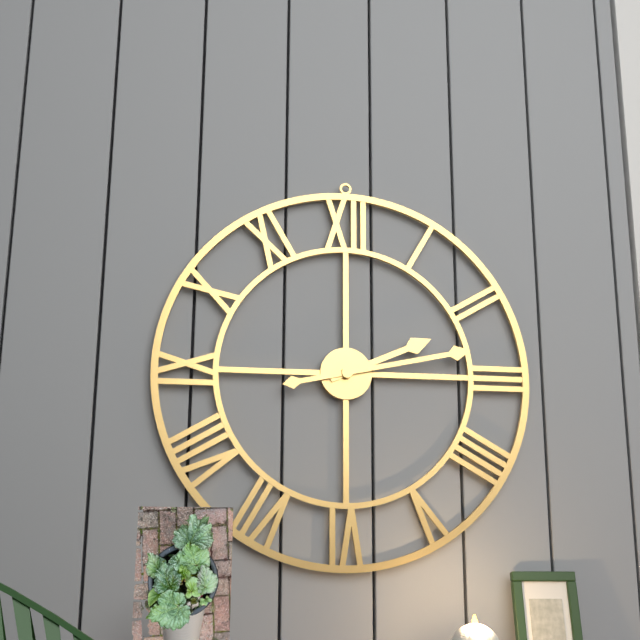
2.13
